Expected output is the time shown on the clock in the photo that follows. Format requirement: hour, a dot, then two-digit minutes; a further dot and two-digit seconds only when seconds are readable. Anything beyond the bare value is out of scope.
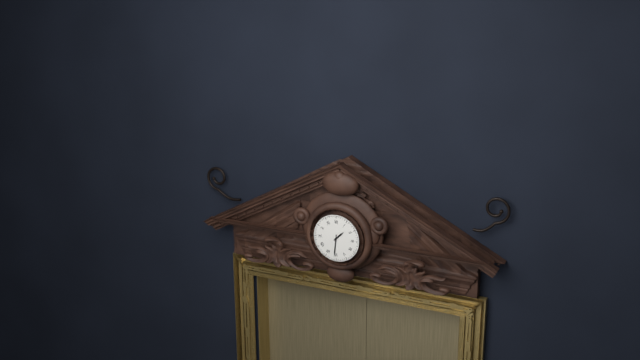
1.31
